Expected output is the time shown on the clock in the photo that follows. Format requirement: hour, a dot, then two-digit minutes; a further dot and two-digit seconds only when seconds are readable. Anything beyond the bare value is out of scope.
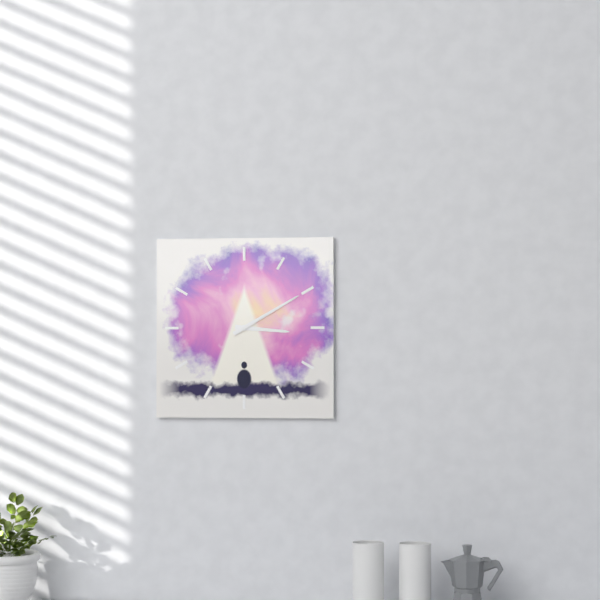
3.10
